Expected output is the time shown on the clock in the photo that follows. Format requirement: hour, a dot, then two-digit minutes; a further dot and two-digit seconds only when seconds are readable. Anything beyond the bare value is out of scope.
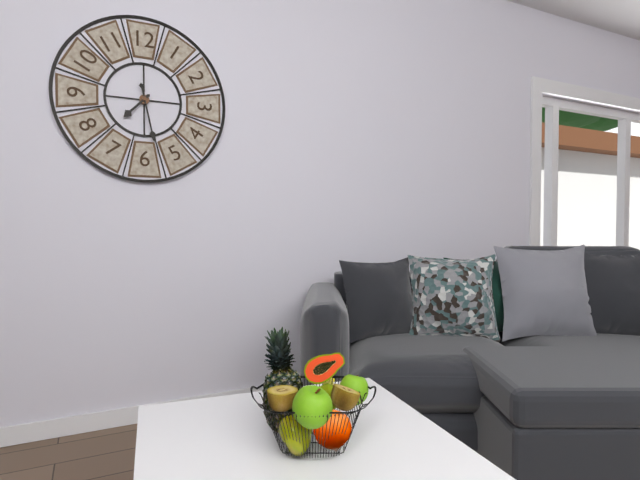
7.28
